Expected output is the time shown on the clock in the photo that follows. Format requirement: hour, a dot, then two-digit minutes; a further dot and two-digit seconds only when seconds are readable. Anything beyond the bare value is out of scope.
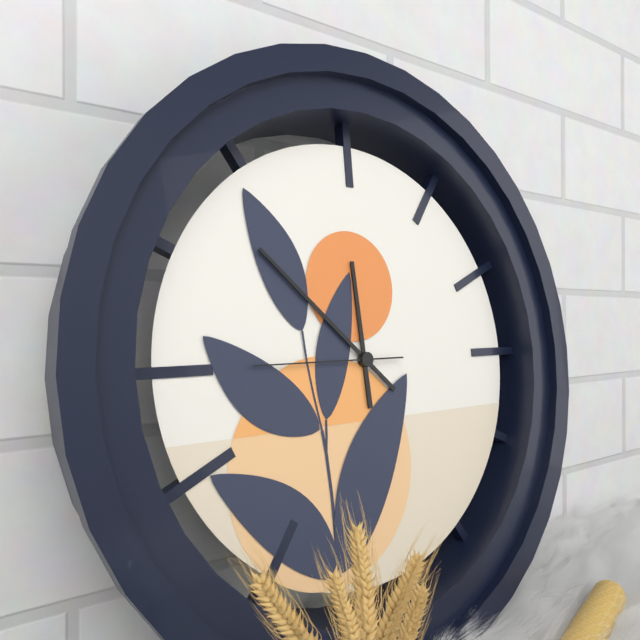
11.52.45
